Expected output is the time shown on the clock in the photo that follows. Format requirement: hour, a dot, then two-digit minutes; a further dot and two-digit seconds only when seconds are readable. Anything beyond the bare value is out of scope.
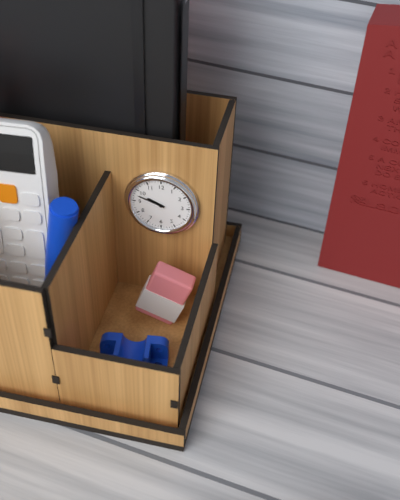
9.48
